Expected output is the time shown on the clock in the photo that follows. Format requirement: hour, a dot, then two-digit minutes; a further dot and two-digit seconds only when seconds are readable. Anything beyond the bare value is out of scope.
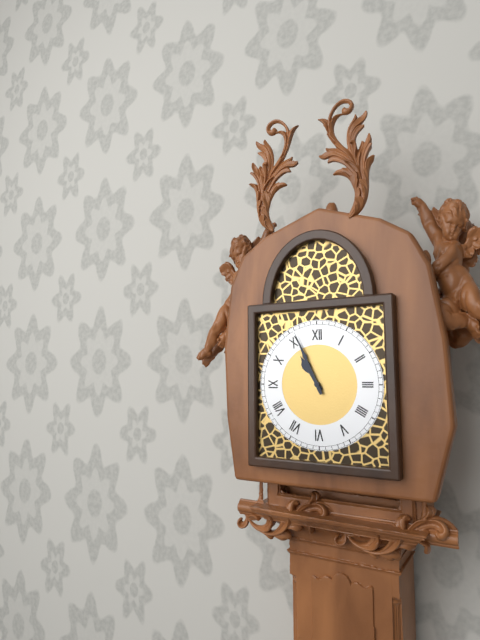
10.56
